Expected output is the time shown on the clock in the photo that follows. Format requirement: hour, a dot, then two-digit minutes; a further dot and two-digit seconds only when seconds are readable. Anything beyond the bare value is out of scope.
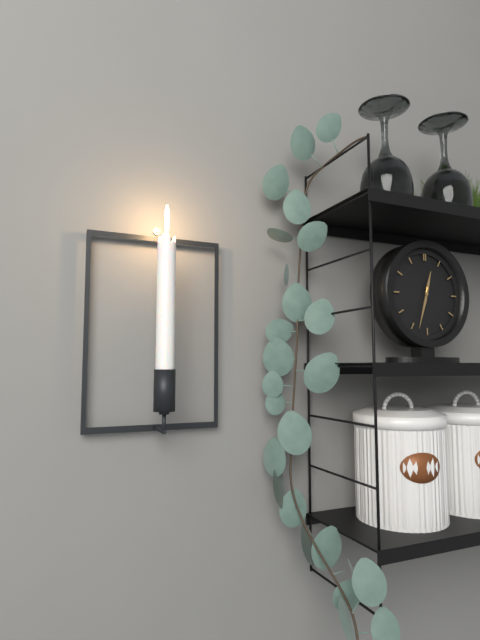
12.33
